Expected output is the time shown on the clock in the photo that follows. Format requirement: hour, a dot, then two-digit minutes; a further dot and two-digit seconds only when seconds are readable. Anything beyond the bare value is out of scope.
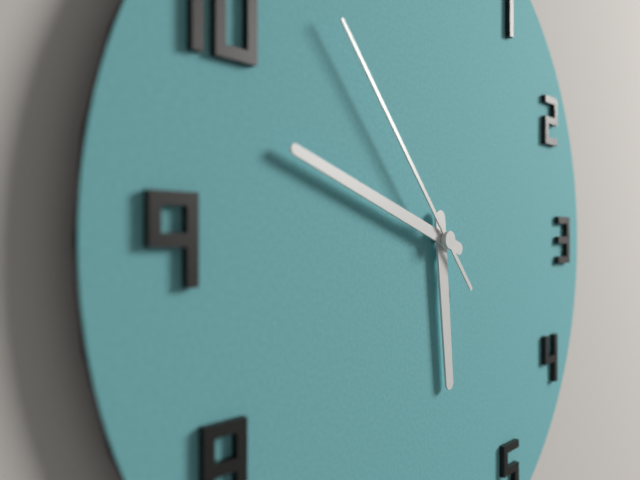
5.48.53
